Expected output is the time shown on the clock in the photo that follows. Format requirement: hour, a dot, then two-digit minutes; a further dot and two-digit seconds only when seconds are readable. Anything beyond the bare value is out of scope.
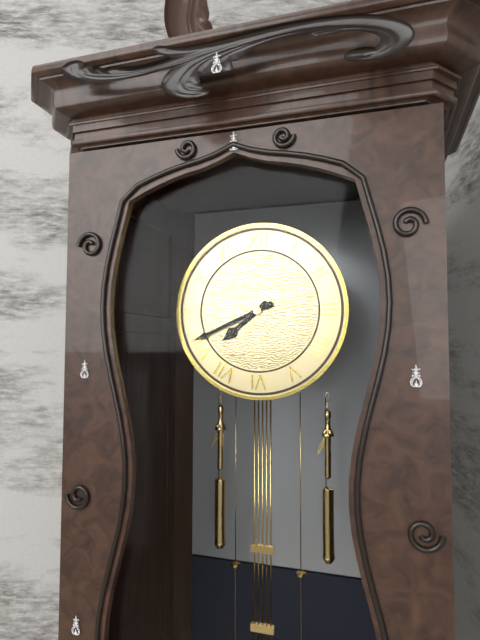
7.41
